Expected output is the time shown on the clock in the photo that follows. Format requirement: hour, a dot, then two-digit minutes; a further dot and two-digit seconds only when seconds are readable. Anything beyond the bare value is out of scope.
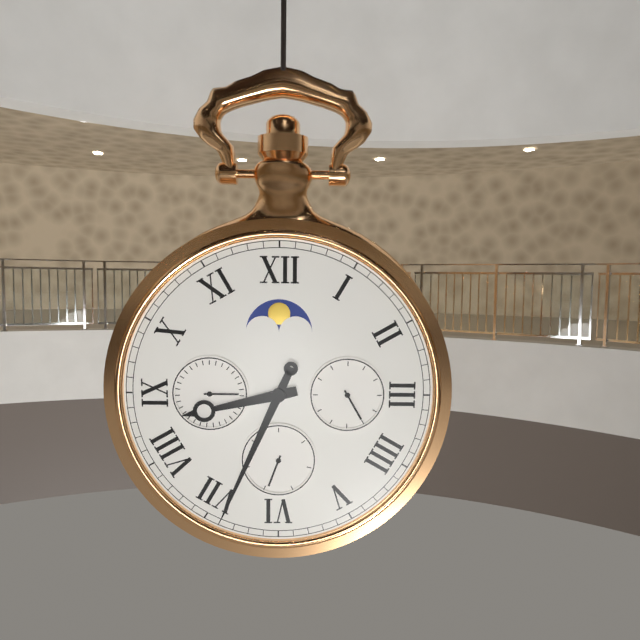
8.34
